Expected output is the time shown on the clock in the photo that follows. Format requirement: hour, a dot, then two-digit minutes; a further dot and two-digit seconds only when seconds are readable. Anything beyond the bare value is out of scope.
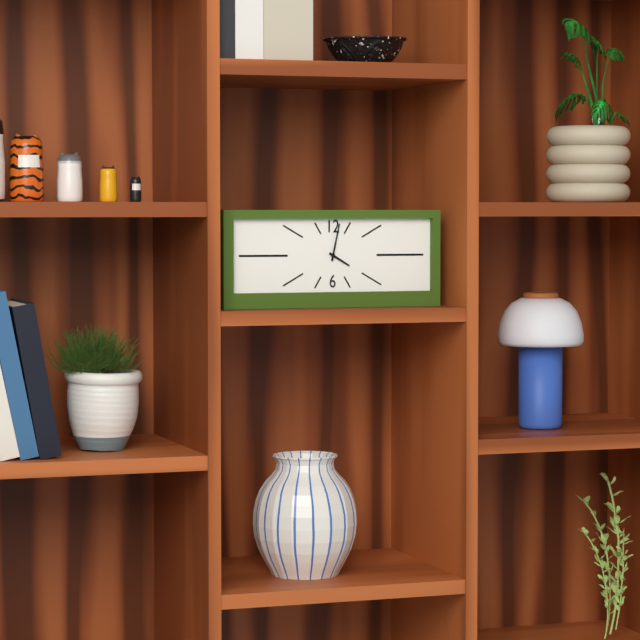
4.02
